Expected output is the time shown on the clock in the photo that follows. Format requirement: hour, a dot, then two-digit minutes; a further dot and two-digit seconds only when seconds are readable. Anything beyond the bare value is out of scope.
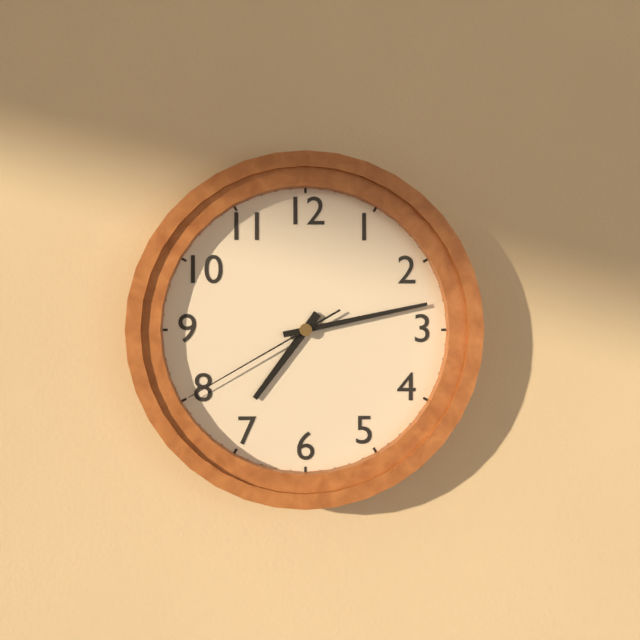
7.13.40
